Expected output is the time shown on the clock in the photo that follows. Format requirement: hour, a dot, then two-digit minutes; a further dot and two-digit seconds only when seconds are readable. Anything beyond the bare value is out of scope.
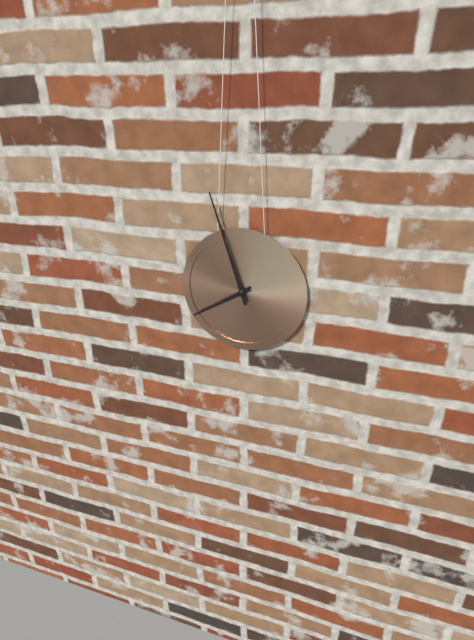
7.57
